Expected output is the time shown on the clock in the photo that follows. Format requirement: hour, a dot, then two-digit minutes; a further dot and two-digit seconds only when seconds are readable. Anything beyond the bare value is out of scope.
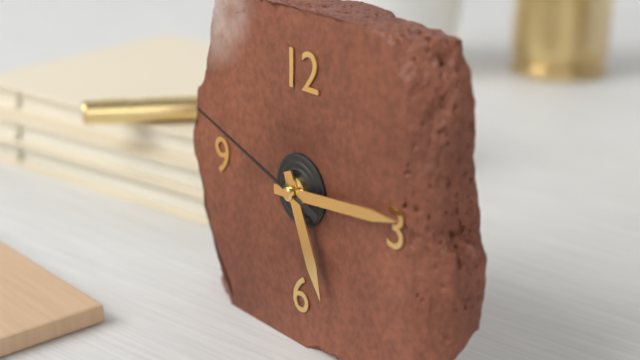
5.14.48
